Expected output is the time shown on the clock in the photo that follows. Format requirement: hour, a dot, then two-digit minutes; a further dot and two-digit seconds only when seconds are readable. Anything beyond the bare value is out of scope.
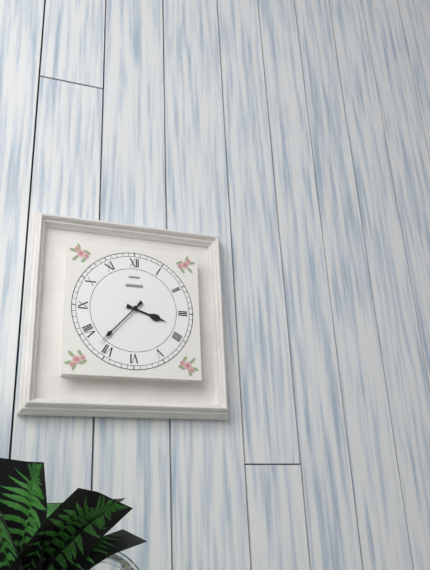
3.37
